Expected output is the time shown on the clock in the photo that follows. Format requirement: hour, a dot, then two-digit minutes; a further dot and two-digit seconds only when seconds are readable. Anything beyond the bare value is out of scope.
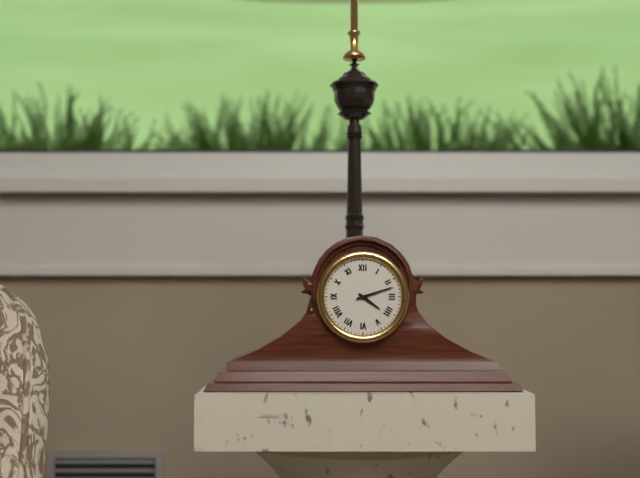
4.12
